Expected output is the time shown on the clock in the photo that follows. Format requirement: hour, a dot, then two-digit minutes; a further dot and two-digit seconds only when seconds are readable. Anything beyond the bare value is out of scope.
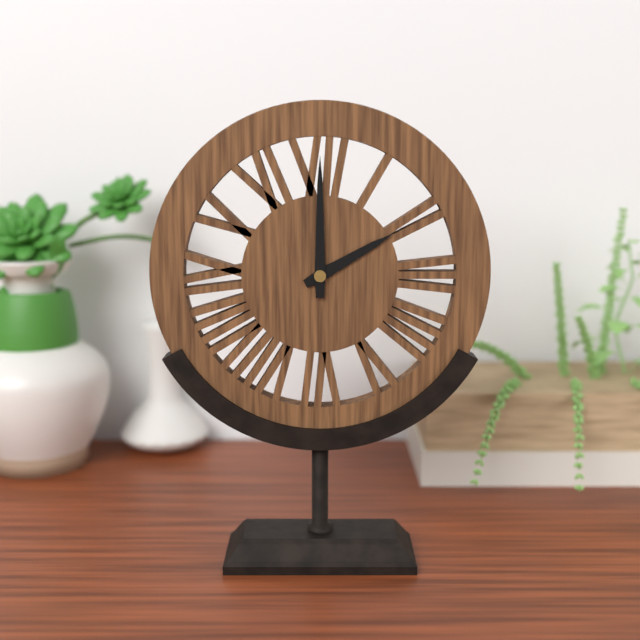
2.00
